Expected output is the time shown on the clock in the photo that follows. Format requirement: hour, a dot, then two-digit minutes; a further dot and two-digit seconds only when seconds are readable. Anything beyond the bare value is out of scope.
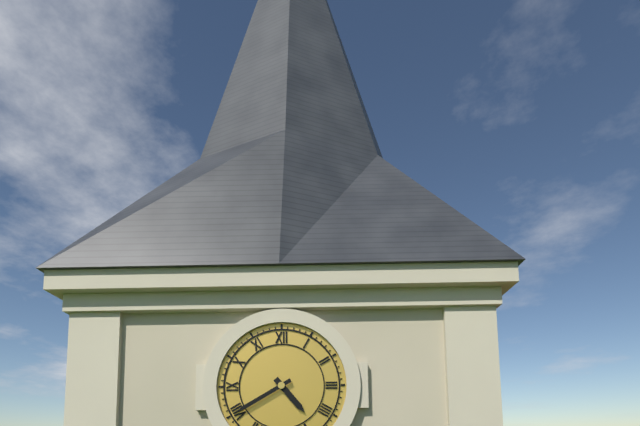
4.40
